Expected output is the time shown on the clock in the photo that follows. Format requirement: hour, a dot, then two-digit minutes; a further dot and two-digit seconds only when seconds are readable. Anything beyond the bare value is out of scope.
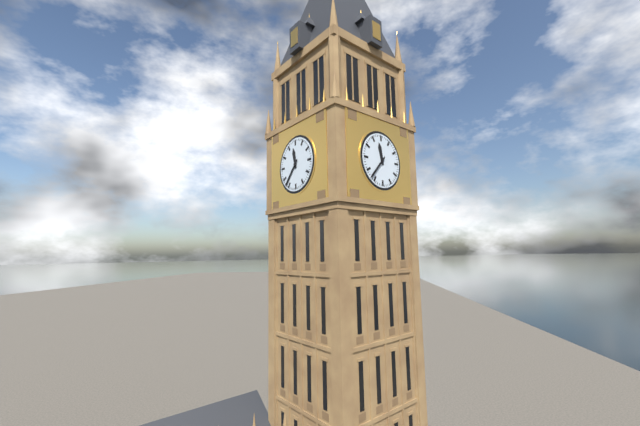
11.37
